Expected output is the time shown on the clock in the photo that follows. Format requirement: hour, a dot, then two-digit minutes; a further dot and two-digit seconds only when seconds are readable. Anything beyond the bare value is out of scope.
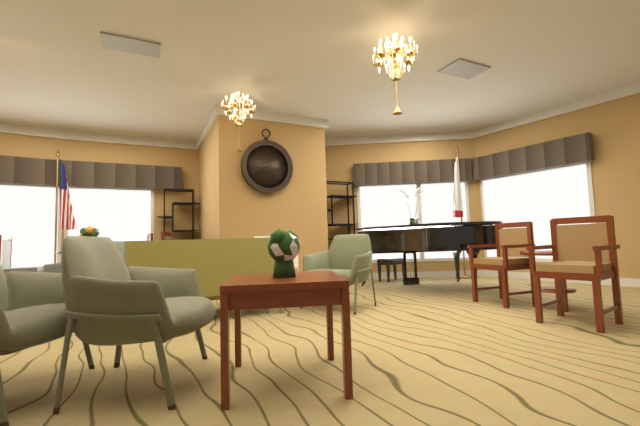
8.41
